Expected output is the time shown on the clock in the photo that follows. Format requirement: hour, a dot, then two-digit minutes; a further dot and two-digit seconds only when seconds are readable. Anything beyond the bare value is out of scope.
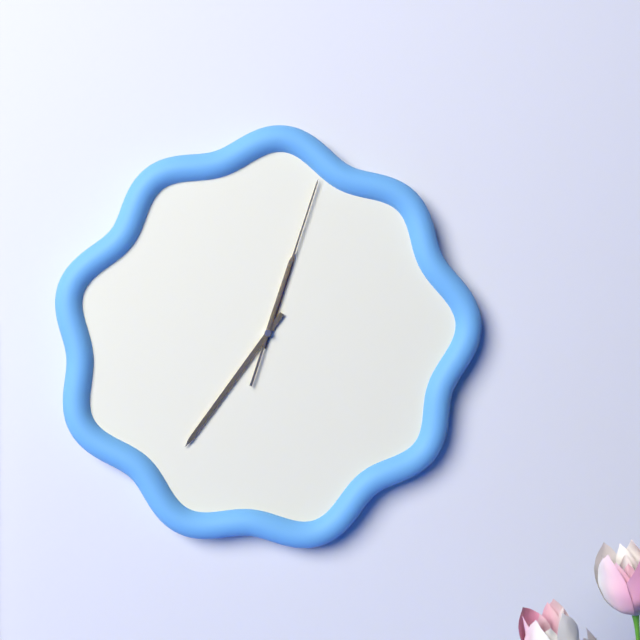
12.36.03
